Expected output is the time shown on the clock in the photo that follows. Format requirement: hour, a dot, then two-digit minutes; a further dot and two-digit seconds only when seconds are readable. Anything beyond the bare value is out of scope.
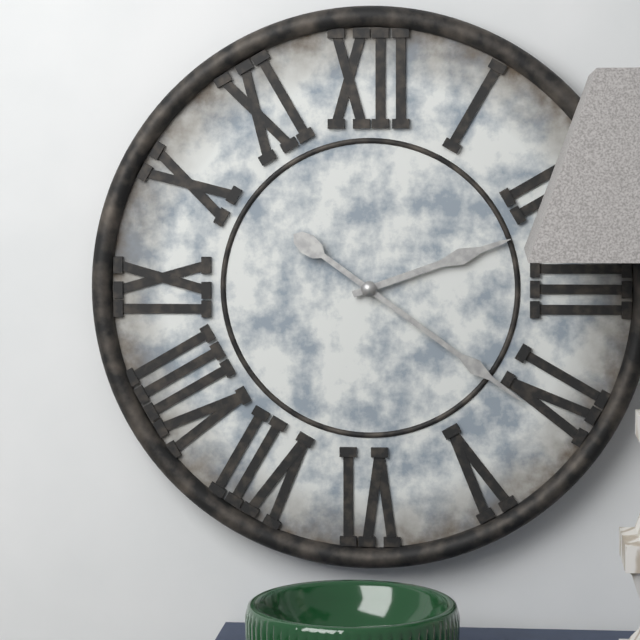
2.21
